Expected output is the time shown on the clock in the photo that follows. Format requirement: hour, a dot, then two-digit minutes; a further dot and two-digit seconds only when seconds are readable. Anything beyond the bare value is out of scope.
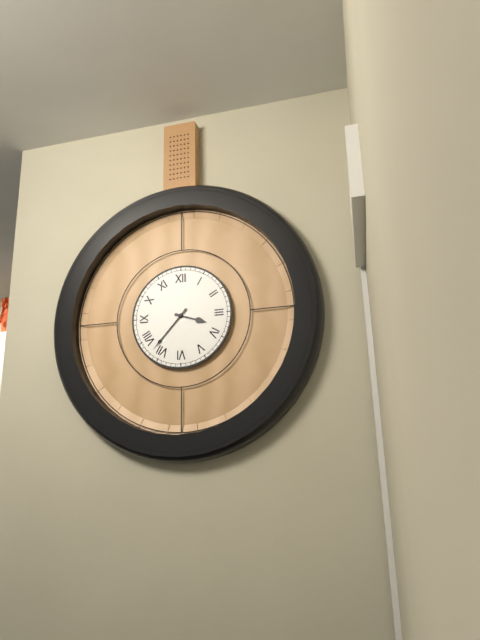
3.37
